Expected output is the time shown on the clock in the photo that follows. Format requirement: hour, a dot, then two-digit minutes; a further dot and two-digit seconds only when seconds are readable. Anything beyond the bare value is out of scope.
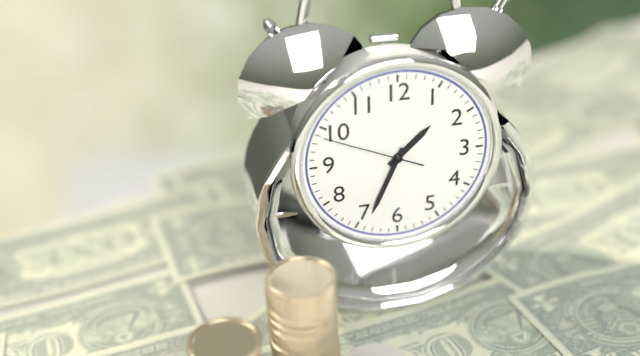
1.34.49
